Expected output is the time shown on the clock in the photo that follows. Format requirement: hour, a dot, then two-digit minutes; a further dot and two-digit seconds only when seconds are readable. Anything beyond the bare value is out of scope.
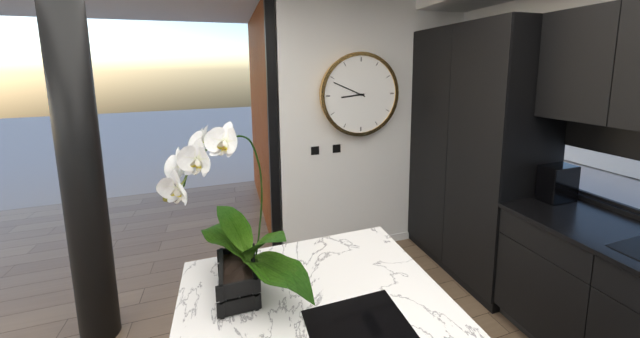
8.49
